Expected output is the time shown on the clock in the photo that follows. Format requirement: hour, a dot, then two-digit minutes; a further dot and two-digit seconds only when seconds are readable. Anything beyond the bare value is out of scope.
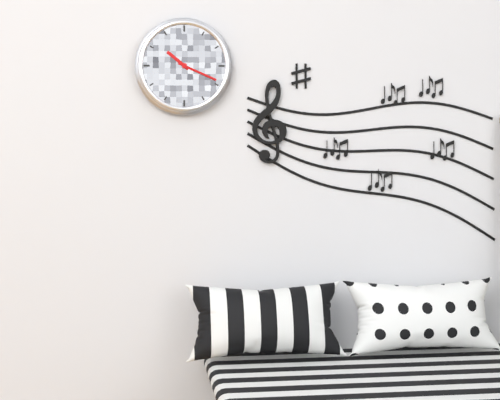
10.19
